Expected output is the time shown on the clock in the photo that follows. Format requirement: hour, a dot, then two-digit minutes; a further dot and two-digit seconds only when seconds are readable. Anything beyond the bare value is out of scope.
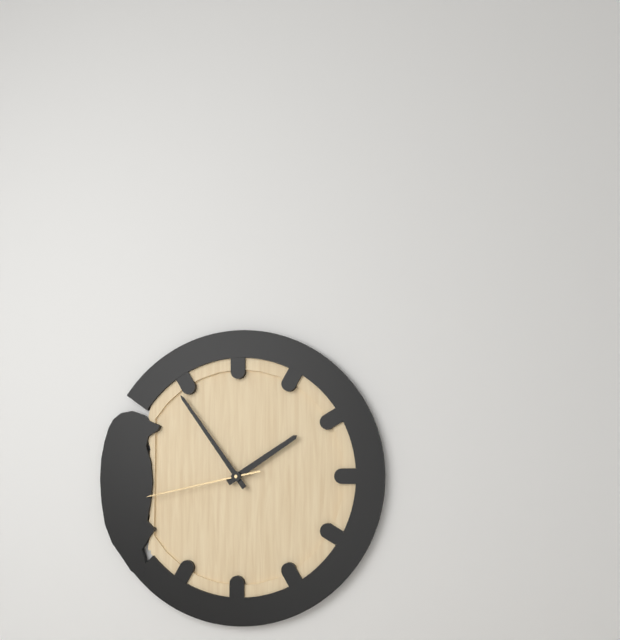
1.54.43
